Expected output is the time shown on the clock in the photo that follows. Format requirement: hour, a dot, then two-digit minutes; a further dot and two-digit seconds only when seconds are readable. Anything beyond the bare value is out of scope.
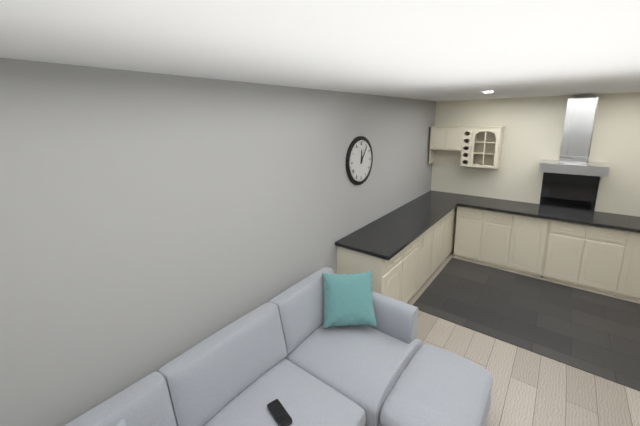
12.06
